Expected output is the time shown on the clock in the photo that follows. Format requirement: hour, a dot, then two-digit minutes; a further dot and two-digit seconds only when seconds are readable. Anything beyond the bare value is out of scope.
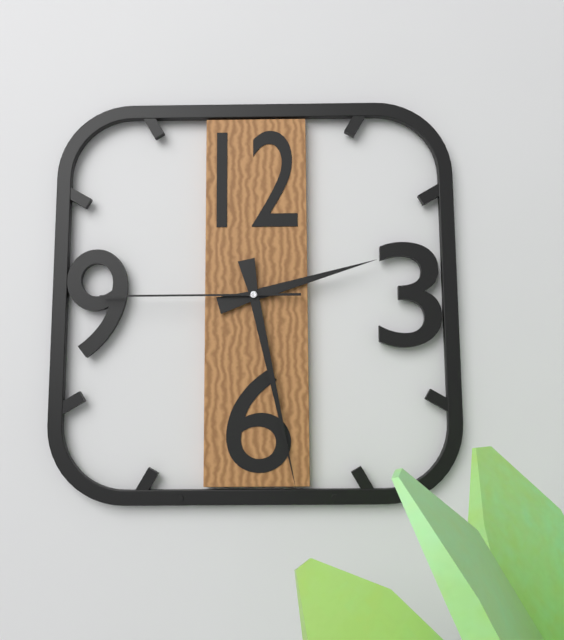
2.28.45
